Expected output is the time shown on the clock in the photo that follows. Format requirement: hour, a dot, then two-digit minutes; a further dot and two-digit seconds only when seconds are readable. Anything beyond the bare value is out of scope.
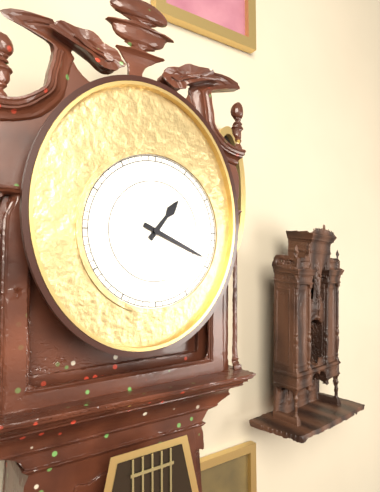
1.19
